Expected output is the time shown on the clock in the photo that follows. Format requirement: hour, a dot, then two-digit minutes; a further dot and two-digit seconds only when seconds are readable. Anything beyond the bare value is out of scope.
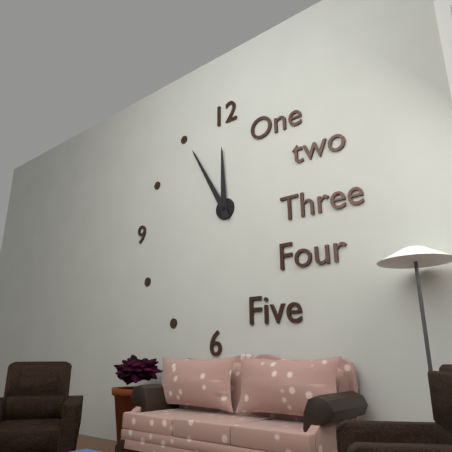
11.55
